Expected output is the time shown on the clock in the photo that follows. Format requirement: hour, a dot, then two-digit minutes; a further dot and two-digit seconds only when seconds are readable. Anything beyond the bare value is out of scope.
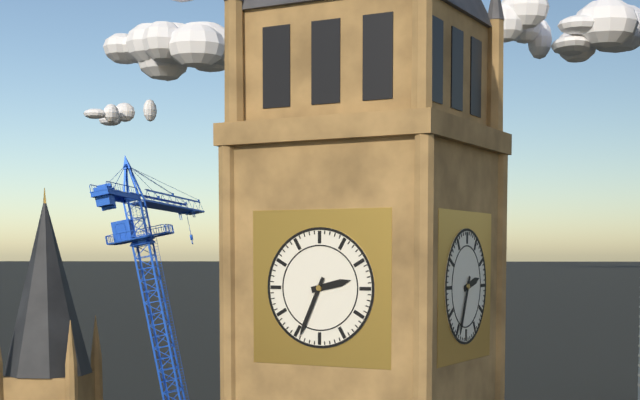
2.34
